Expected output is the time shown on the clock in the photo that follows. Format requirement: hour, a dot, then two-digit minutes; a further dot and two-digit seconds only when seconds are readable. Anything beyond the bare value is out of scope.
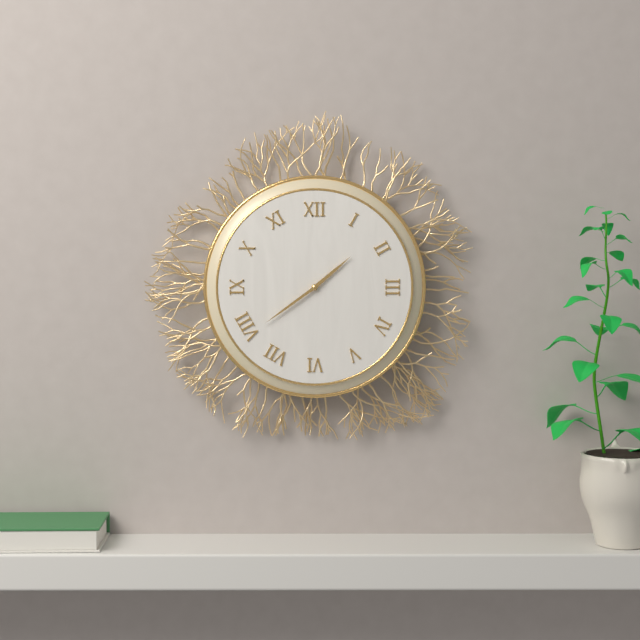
1.39
